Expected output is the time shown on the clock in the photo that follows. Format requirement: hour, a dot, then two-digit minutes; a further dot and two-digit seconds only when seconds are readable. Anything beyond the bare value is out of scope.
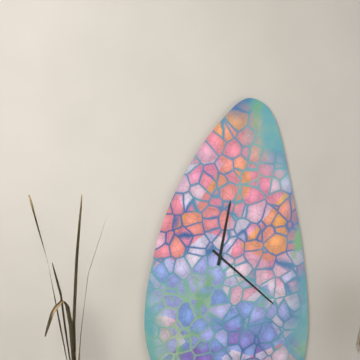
12.22
